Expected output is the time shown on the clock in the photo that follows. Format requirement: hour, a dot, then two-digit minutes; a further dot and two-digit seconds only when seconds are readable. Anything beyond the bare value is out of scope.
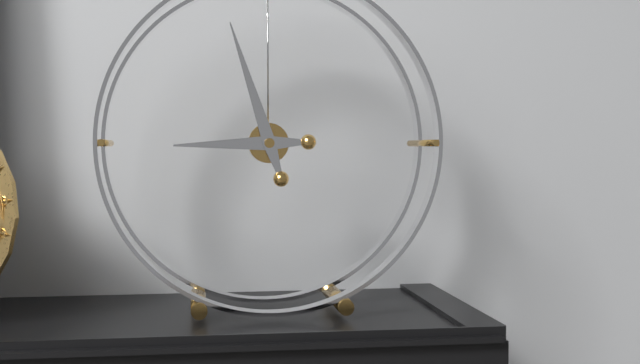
8.57
